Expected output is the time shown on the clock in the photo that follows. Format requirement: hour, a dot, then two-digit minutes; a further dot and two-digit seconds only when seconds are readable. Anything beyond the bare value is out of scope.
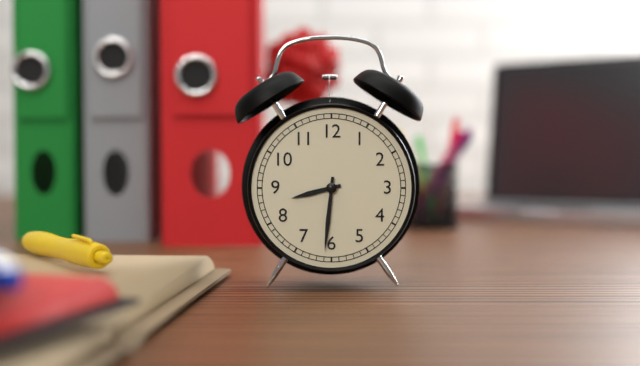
8.31
